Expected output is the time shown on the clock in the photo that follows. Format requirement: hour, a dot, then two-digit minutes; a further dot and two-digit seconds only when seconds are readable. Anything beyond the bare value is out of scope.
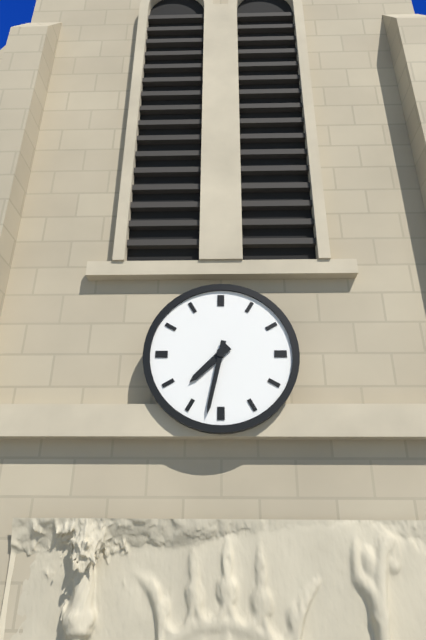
7.32
